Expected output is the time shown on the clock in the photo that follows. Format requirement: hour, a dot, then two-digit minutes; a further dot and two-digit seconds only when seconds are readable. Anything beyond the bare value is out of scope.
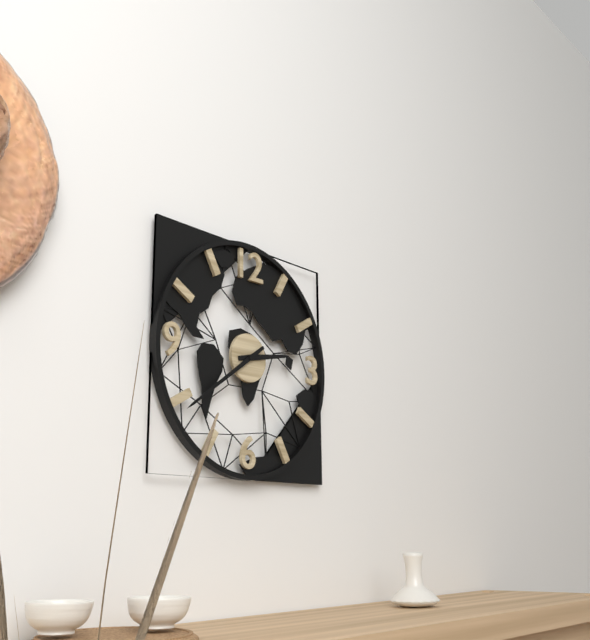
2.39
